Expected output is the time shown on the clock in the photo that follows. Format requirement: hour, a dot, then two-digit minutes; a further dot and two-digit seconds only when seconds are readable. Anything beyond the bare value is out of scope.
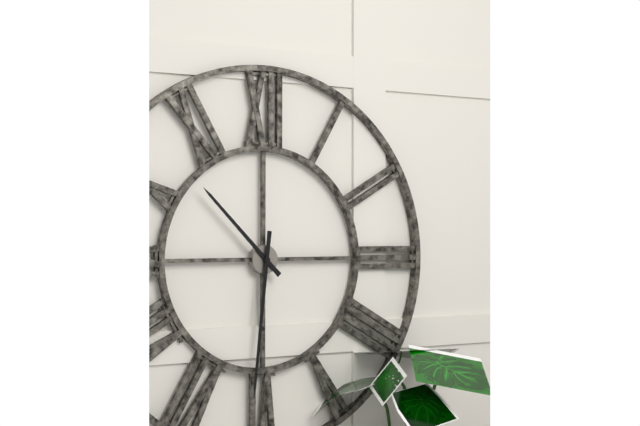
10.31
